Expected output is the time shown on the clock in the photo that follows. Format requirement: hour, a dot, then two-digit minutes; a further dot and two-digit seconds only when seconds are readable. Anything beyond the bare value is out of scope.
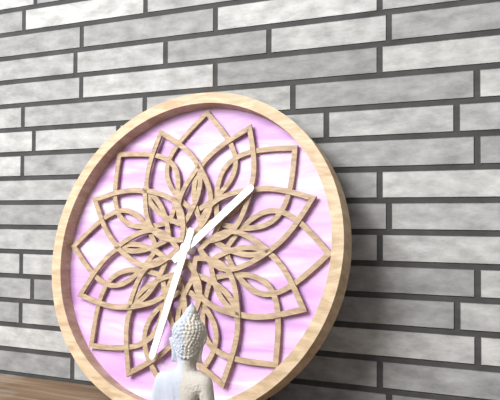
1.32
